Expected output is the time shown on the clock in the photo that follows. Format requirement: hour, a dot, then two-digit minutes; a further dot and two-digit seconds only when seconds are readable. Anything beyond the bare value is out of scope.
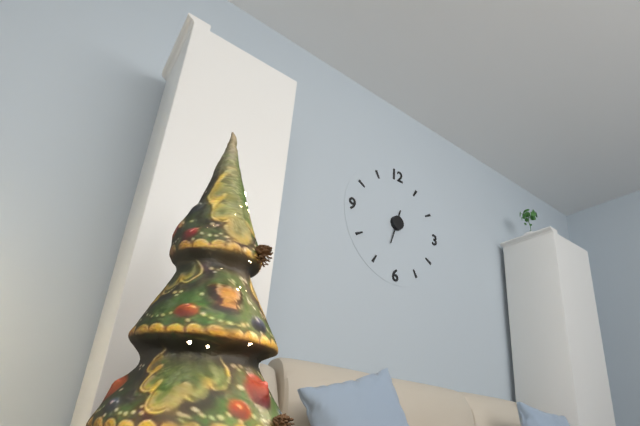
12.33
